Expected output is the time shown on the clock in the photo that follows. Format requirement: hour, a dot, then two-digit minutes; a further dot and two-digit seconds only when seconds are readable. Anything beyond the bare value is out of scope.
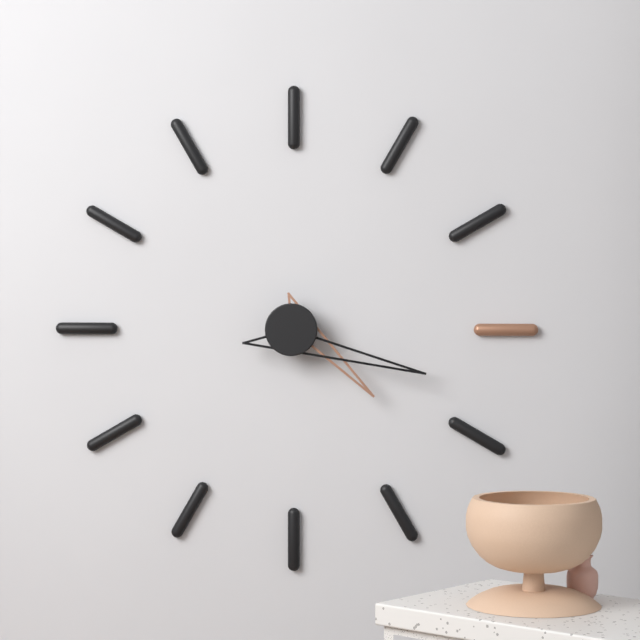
4.18
